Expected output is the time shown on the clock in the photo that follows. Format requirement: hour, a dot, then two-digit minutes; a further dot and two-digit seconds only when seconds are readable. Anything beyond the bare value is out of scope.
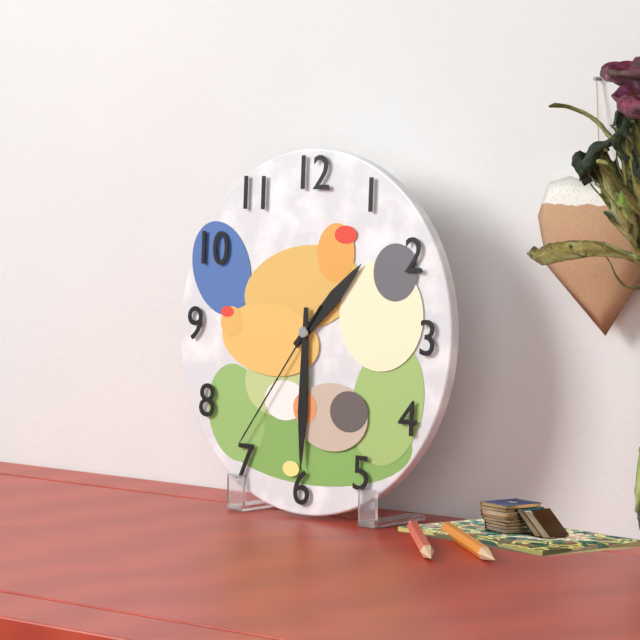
1.30.36
